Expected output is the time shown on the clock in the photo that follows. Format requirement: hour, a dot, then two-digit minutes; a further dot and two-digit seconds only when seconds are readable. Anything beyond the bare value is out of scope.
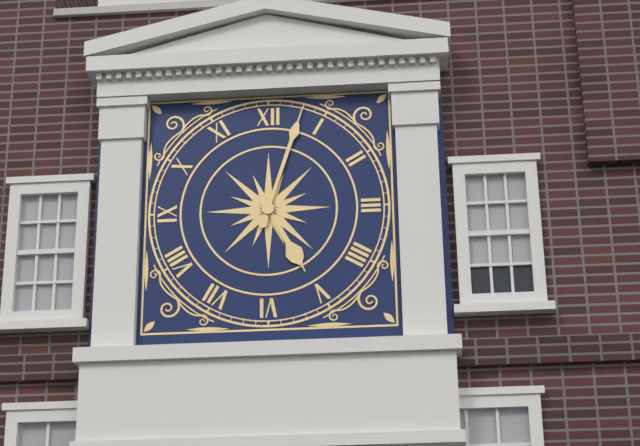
5.03
